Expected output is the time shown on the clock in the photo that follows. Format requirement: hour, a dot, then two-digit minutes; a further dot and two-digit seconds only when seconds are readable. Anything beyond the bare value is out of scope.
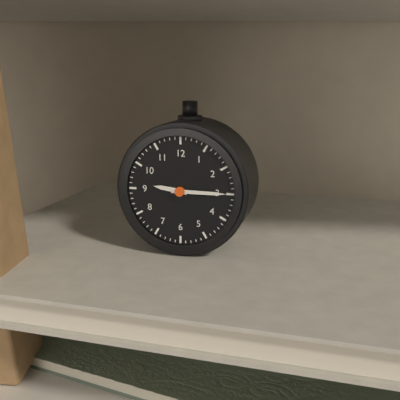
9.15
